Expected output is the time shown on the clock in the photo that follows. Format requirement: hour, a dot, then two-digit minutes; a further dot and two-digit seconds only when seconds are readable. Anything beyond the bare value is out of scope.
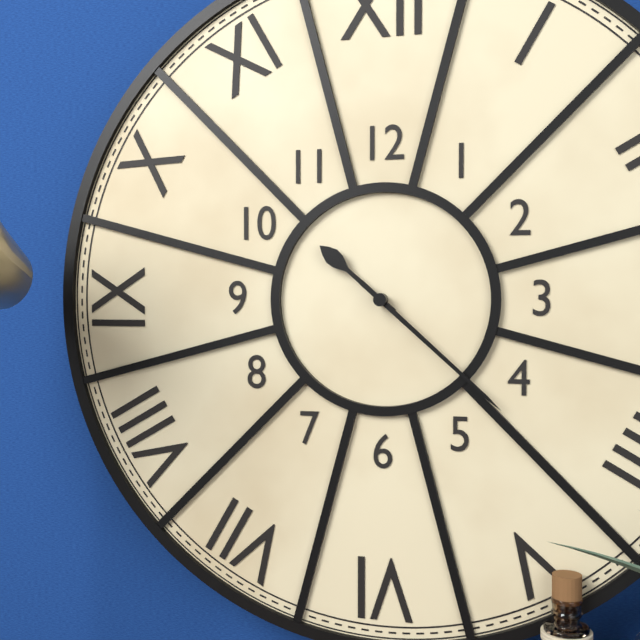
10.22
